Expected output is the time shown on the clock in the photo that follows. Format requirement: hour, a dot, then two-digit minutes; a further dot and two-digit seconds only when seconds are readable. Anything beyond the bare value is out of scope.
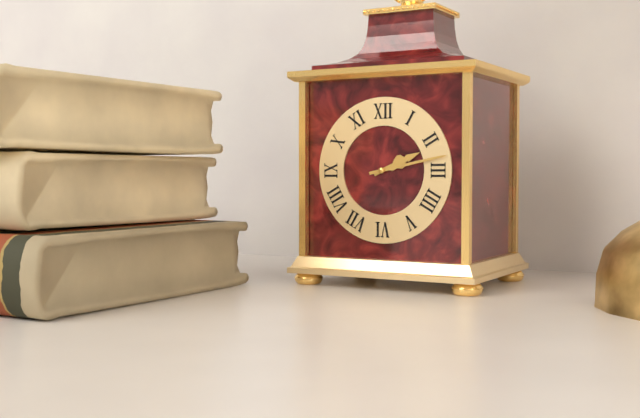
2.13
